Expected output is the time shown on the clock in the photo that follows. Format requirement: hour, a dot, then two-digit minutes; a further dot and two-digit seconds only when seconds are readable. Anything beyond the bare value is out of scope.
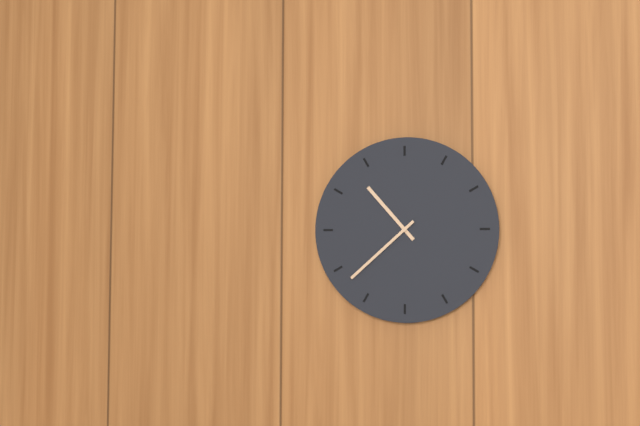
10.38
